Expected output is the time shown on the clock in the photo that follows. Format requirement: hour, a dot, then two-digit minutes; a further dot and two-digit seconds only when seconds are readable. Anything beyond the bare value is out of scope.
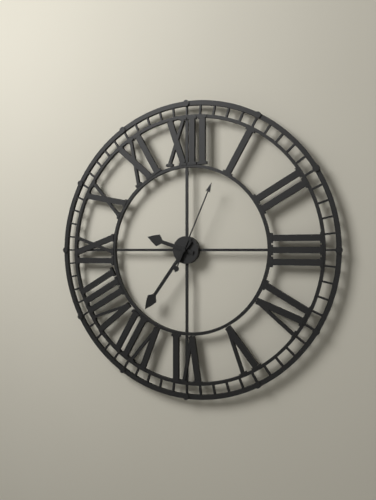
9.36.04
